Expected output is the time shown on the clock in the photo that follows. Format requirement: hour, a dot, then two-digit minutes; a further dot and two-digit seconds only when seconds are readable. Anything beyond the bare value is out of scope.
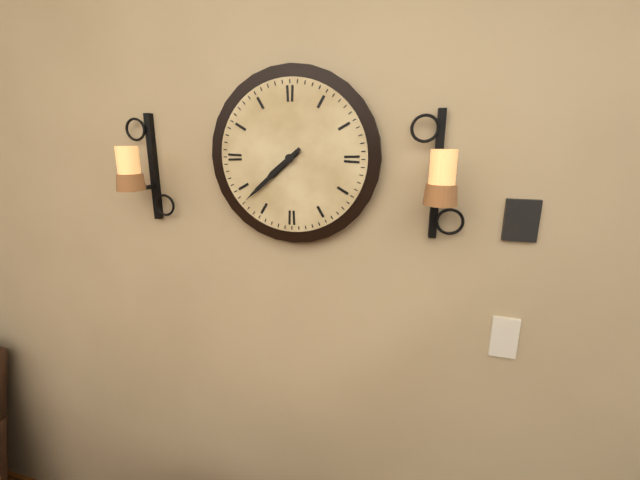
7.38
